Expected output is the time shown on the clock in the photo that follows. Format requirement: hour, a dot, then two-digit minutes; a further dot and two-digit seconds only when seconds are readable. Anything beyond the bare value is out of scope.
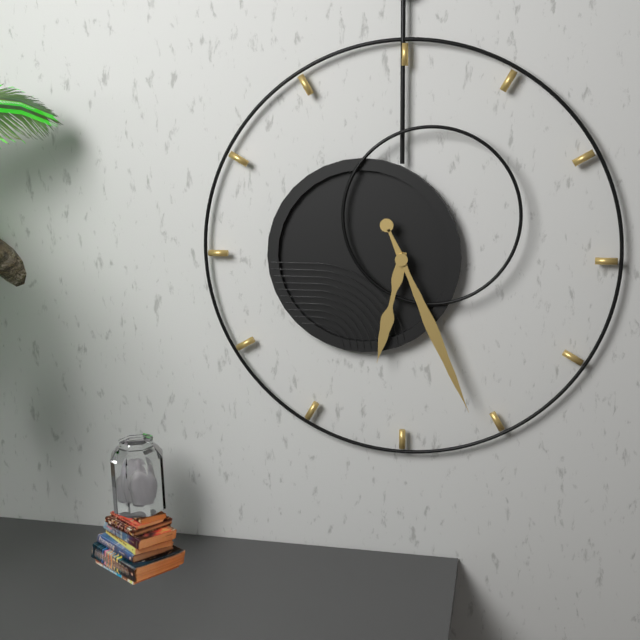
6.26
